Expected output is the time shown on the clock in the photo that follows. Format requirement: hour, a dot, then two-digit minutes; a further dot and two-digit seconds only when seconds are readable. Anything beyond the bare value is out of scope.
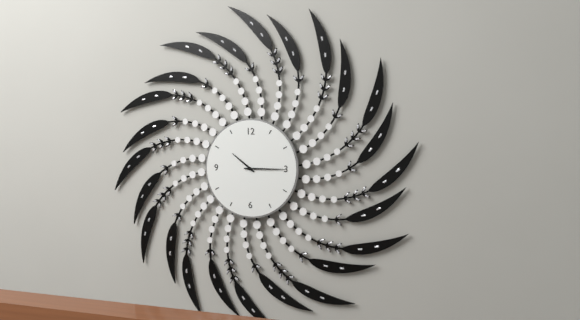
10.15
